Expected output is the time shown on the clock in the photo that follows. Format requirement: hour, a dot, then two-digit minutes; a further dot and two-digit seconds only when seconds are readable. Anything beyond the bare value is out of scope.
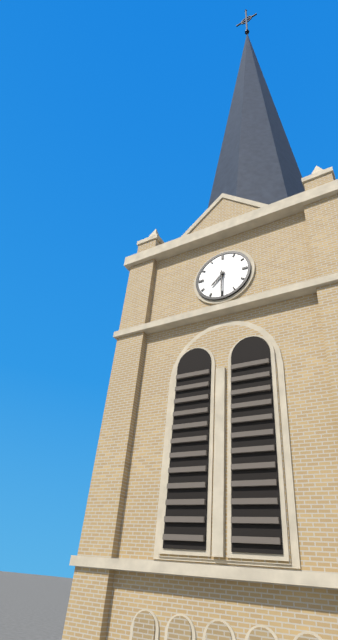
7.30
